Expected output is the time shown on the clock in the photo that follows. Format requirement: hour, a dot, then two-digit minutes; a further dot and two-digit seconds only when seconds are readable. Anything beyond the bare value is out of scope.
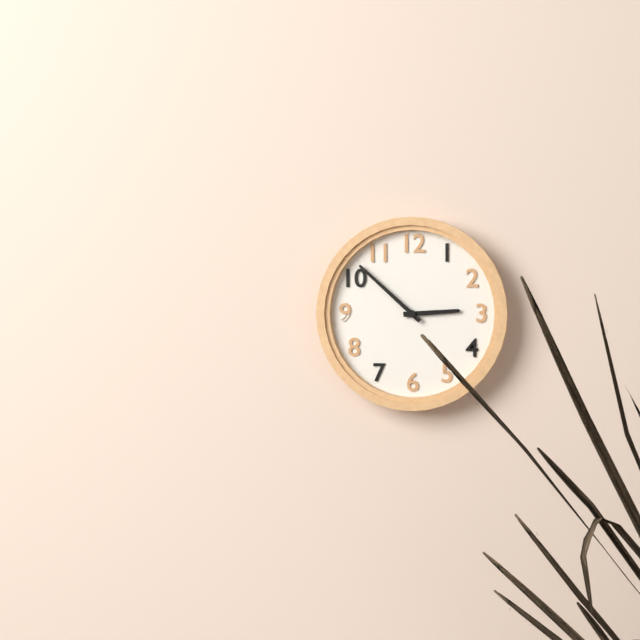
2.52
